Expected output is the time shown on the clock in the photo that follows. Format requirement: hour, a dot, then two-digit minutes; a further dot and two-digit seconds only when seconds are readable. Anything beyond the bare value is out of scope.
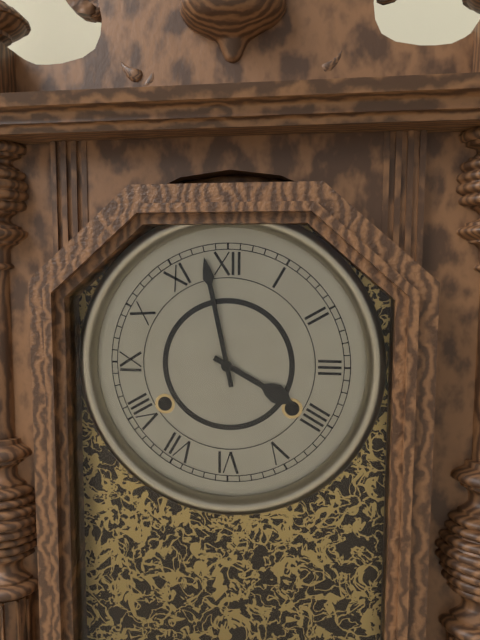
3.58
